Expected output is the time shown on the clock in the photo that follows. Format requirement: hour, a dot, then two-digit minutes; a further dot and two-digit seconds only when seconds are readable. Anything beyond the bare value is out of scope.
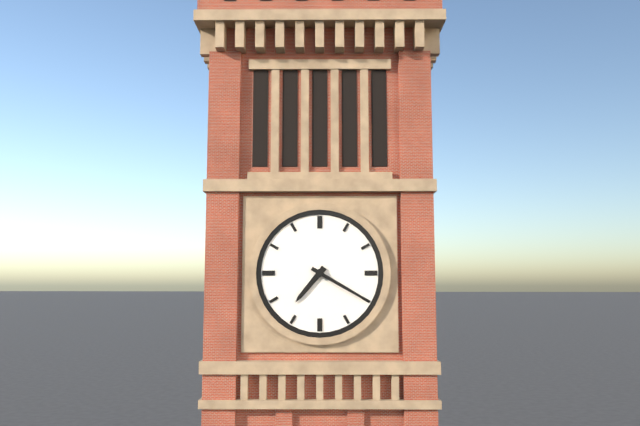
7.20
